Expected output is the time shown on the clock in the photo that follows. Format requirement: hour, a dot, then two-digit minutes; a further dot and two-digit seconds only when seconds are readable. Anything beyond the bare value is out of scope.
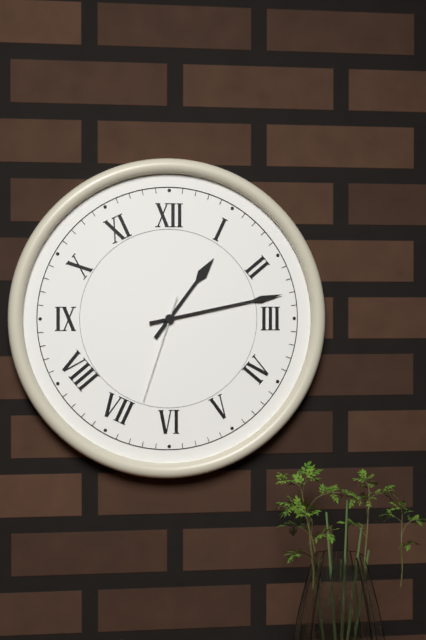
1.13.33
